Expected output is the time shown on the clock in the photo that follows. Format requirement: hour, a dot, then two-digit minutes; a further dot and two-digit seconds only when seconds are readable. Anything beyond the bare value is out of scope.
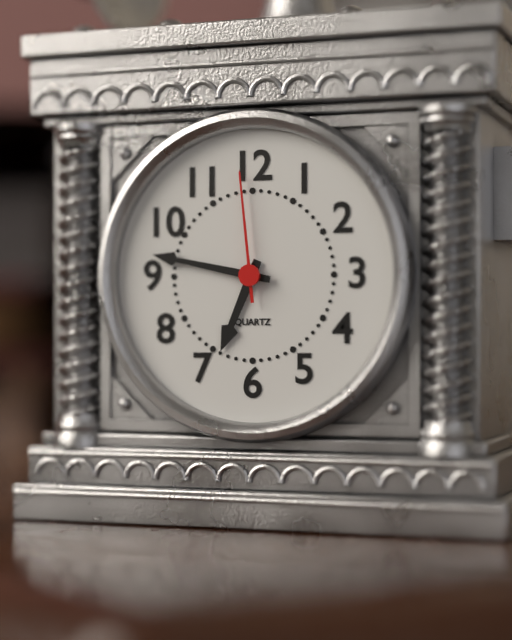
6.47.59
